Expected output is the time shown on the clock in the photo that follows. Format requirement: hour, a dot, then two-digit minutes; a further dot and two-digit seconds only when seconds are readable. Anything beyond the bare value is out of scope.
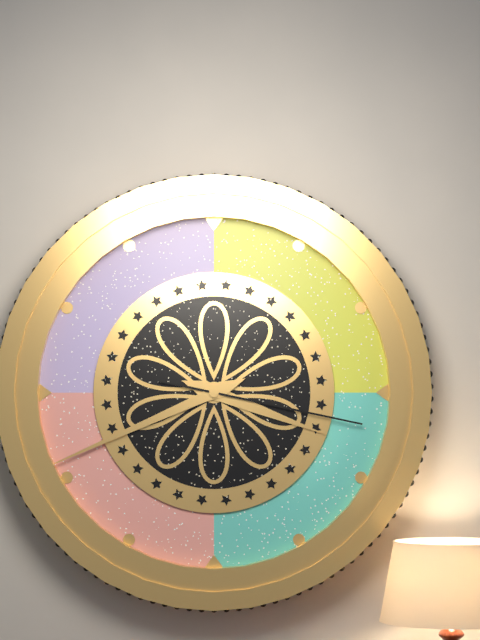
3.41.17
